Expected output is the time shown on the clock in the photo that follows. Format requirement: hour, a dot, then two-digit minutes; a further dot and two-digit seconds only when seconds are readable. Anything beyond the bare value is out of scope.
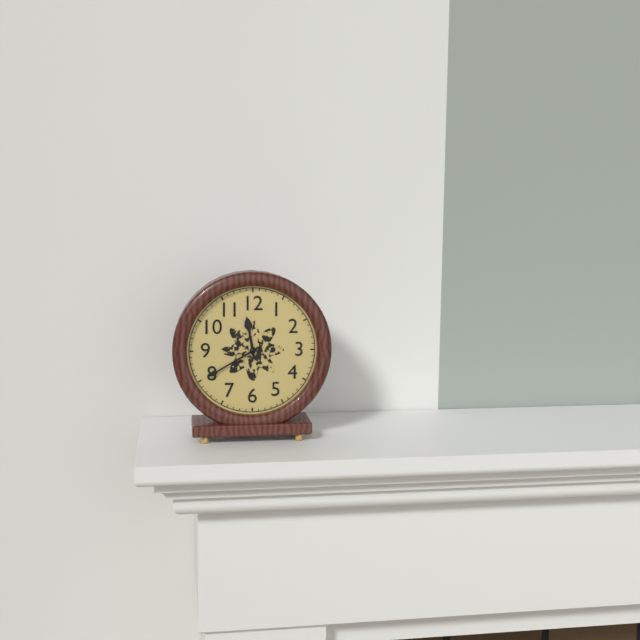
11.40
